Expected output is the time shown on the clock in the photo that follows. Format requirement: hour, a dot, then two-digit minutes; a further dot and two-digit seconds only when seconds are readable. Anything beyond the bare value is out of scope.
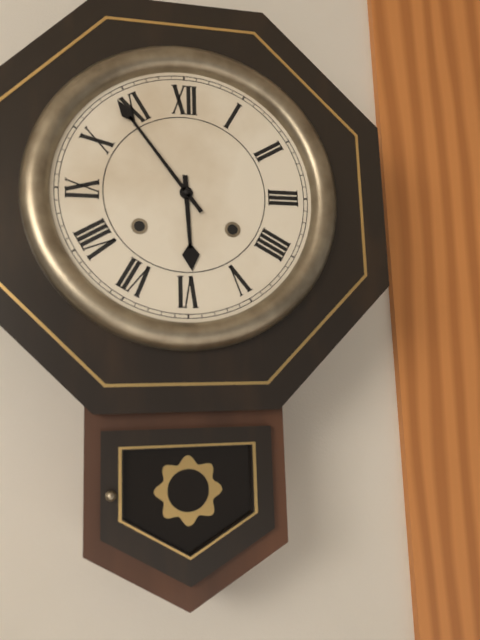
5.54
